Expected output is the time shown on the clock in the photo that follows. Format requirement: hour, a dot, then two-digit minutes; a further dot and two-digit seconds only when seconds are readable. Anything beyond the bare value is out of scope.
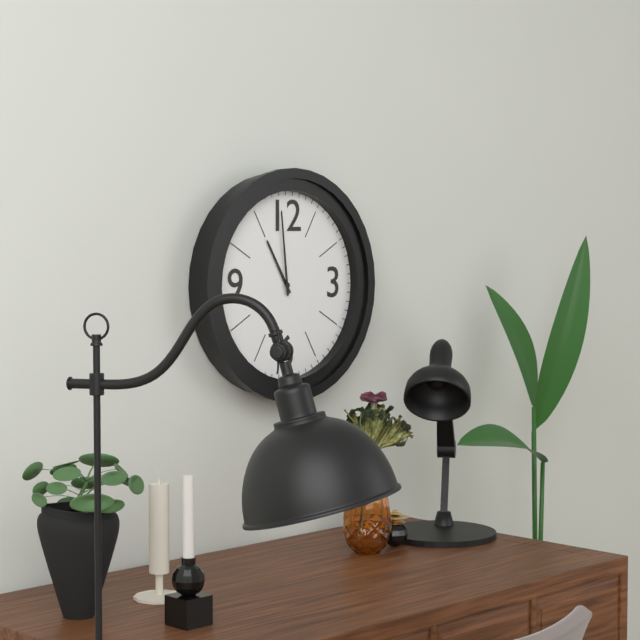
10.59
